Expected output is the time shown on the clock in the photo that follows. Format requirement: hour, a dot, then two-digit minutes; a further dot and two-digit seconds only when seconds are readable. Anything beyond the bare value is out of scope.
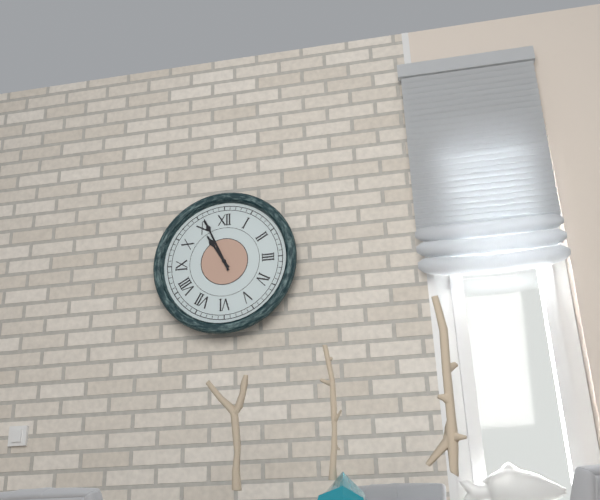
10.56
